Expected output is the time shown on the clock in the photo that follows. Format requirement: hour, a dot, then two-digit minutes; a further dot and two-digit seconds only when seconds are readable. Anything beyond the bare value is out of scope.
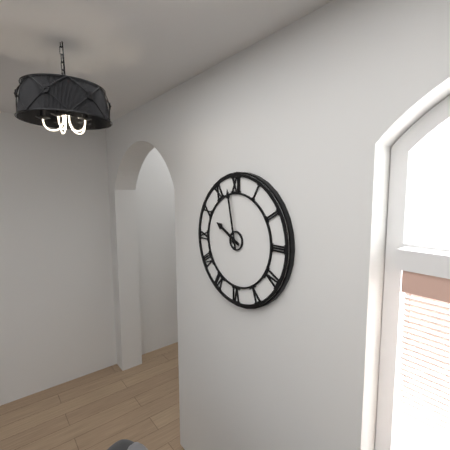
9.58
